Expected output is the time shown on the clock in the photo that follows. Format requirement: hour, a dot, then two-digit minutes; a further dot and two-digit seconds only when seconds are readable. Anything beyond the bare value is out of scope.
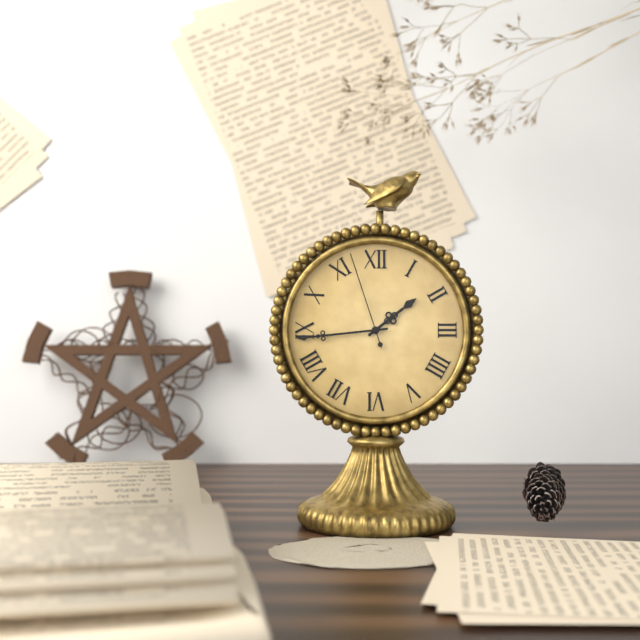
1.44.57
